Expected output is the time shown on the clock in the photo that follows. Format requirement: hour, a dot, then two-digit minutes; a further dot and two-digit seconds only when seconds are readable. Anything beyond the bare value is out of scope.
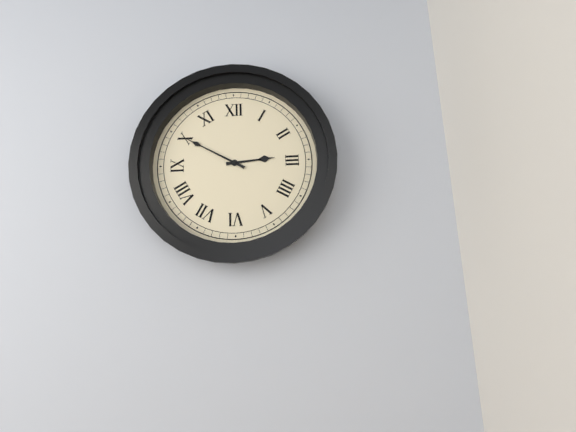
2.50
